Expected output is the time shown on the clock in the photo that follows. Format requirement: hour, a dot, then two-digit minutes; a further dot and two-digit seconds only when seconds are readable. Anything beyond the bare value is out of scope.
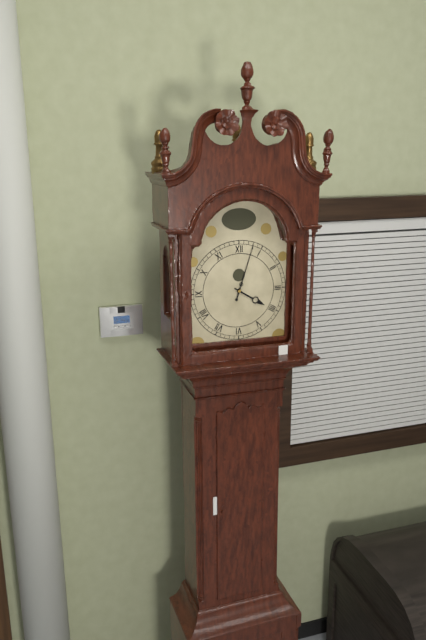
4.03
